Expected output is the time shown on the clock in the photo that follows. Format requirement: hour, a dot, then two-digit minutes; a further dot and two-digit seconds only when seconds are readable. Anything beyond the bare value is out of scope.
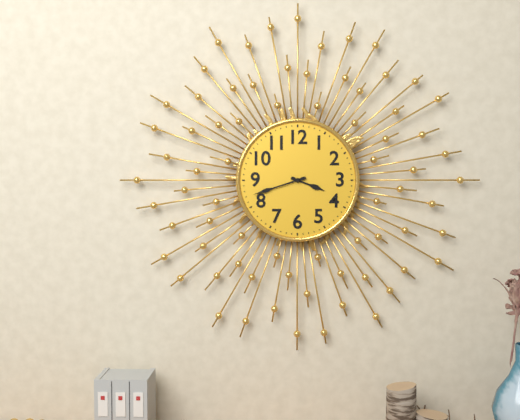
3.42
